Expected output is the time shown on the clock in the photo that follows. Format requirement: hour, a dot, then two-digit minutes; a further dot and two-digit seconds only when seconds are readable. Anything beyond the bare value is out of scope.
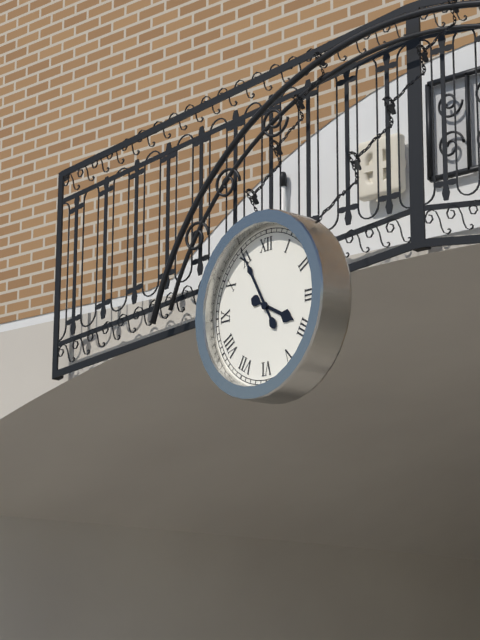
3.55
